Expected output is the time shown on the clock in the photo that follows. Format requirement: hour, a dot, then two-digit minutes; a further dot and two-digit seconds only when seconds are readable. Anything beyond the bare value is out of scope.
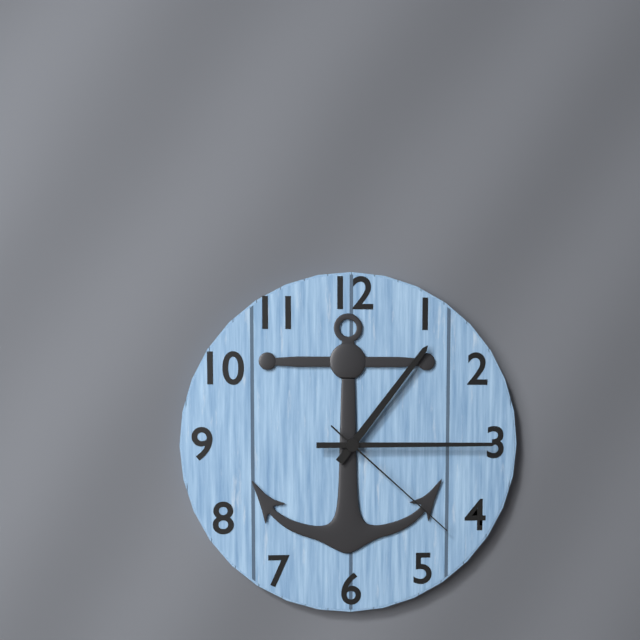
1.15.22
